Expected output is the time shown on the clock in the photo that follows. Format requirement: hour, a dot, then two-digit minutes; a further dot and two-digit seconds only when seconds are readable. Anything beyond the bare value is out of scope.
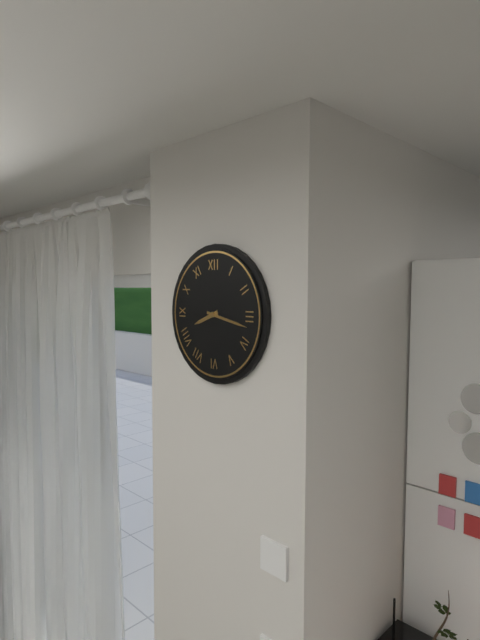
8.17
